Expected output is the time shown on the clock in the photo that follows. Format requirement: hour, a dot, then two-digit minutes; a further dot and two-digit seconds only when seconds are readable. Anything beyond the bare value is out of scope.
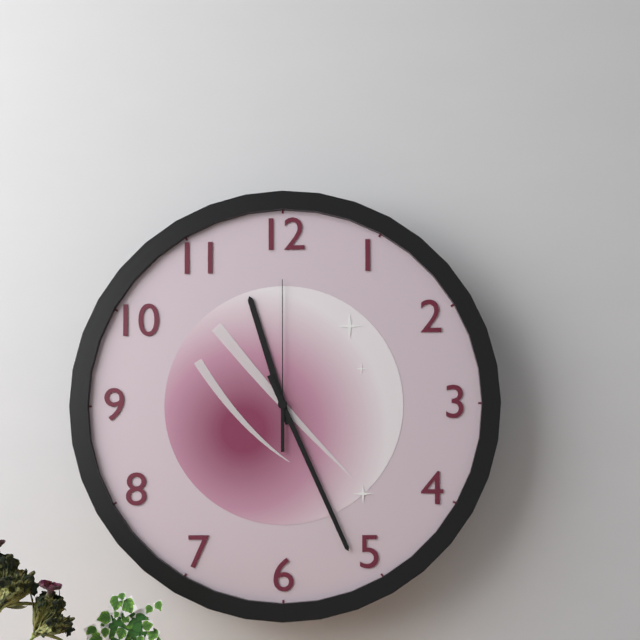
11.26.00
